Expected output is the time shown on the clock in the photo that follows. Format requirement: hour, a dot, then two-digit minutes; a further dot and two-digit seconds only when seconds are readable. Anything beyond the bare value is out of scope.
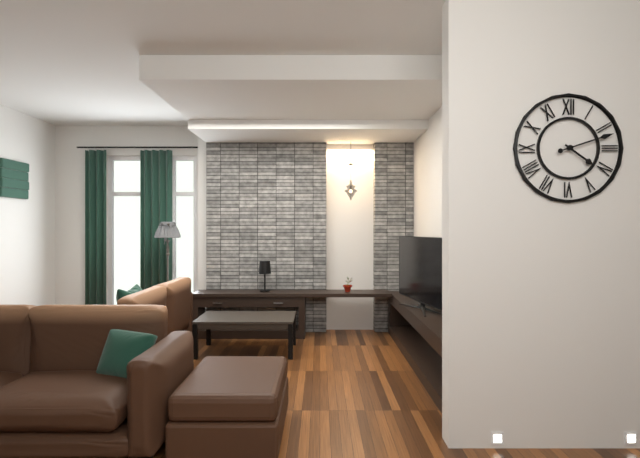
4.12
